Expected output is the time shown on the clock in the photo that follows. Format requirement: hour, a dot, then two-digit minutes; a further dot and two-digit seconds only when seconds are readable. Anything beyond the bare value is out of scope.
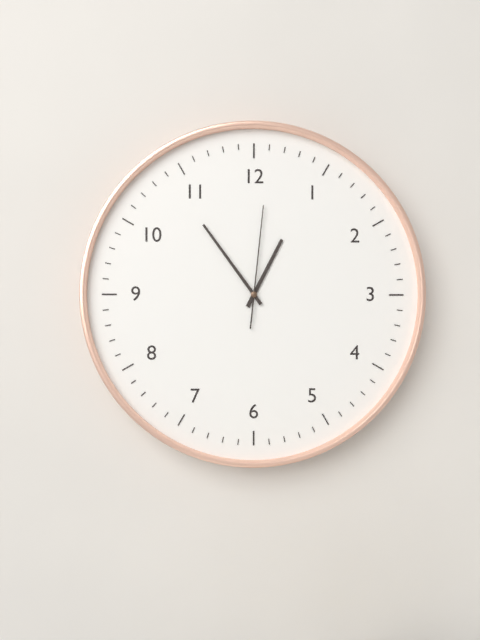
12.54.01
